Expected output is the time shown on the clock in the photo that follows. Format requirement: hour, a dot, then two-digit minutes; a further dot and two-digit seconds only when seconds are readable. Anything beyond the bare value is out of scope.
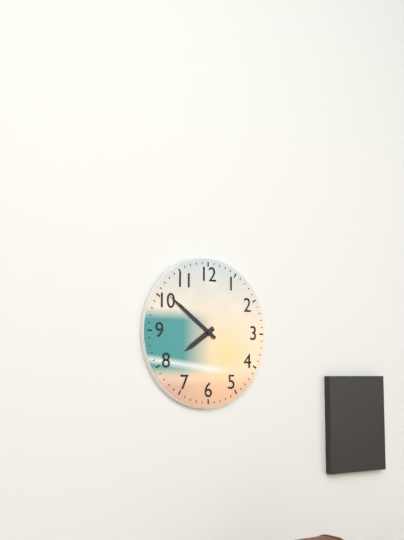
7.51
